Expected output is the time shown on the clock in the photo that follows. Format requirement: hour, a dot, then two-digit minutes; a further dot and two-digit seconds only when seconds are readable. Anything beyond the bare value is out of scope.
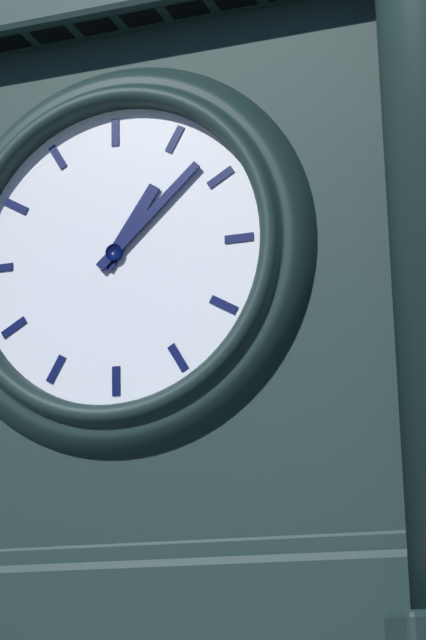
1.08
